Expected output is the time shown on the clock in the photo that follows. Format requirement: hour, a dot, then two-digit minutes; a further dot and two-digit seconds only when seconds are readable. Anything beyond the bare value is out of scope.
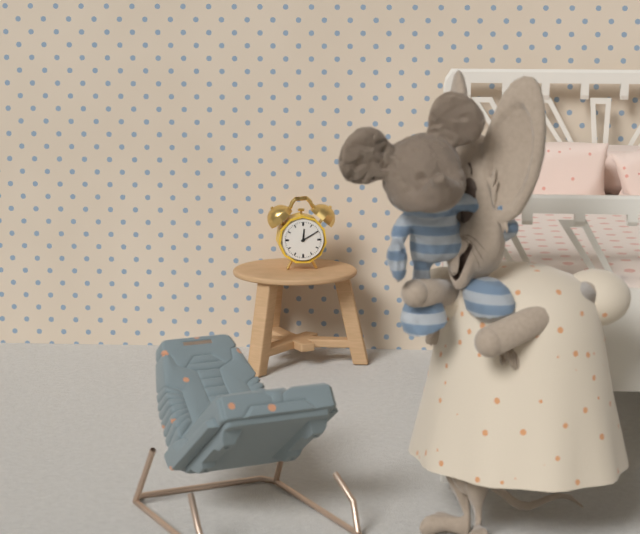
12.10
